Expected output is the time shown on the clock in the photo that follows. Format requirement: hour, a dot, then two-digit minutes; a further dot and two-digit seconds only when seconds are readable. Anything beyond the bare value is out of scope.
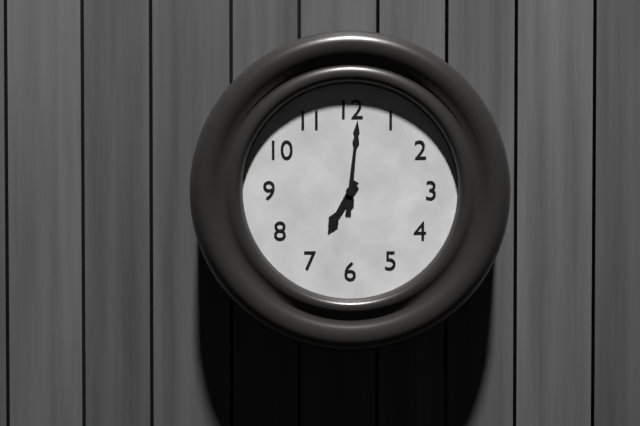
7.01
